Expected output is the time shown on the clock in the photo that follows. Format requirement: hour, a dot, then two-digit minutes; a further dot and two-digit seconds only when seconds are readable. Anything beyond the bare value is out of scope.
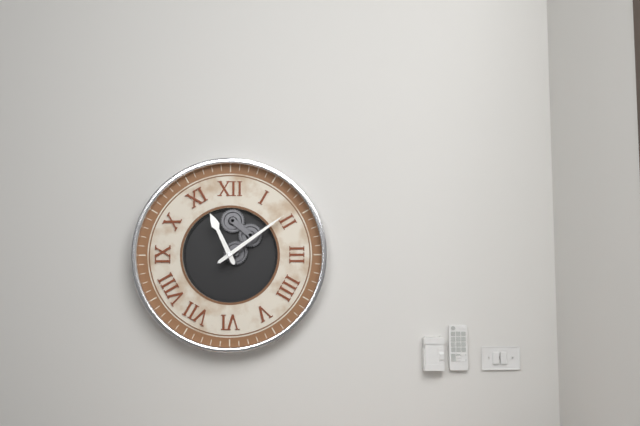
11.09
